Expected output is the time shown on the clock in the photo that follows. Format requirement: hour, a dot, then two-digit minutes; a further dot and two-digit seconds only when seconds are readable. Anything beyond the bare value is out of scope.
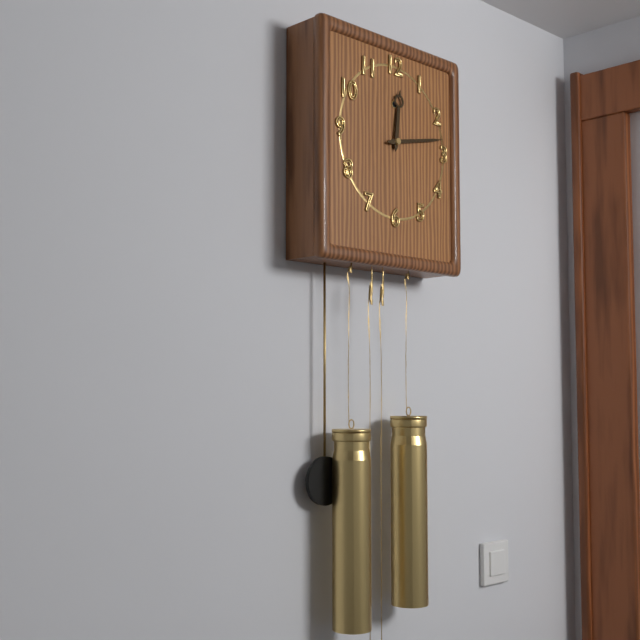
12.13
